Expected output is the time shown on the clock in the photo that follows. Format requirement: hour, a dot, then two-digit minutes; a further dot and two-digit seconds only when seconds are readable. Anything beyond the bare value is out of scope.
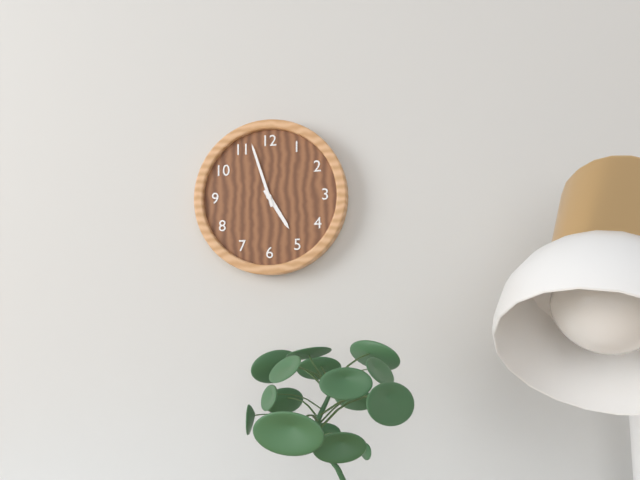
4.57
